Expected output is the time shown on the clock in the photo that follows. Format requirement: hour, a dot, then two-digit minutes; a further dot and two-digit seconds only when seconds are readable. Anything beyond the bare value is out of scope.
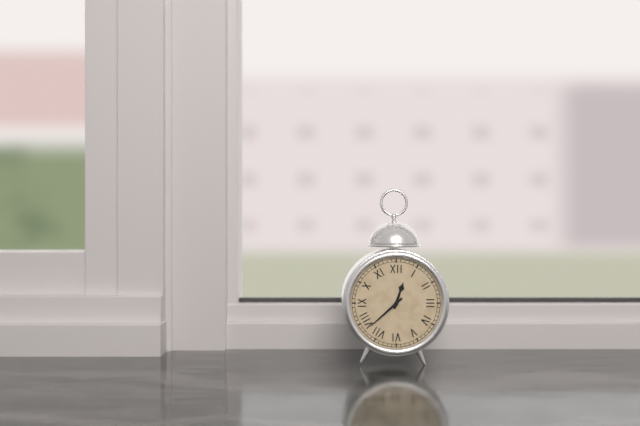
12.38
